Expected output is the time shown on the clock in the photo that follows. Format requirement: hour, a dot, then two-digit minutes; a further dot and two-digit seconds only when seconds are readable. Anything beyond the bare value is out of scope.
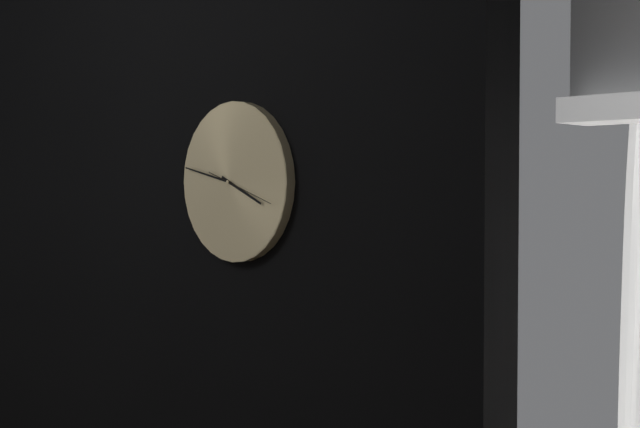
3.47.18
